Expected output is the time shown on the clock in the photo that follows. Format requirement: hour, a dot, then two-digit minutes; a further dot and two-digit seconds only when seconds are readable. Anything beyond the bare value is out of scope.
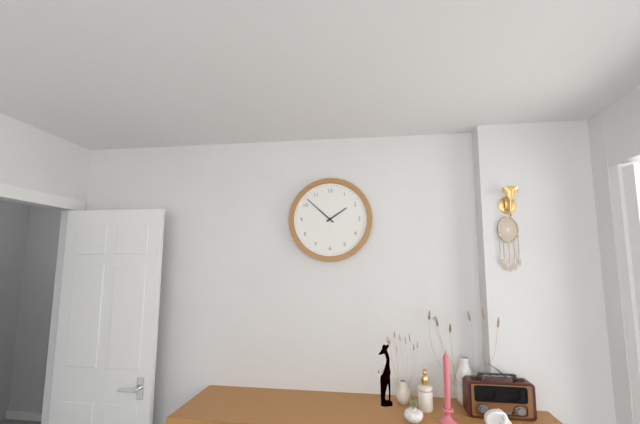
1.52
